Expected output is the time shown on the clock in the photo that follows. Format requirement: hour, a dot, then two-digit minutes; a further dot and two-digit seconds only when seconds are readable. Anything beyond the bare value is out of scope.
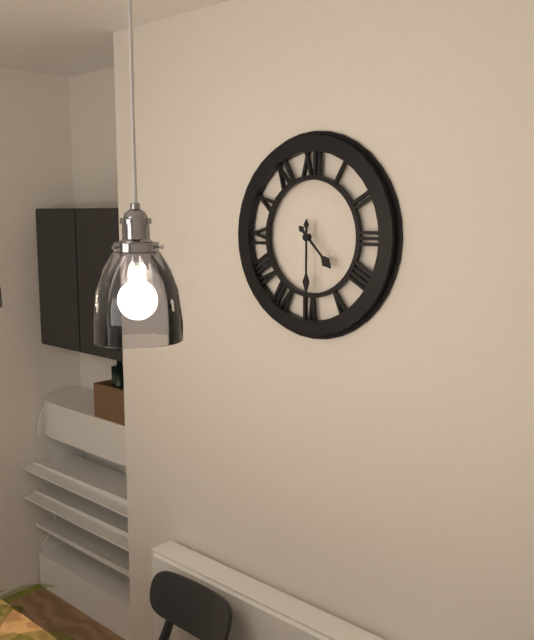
4.30
